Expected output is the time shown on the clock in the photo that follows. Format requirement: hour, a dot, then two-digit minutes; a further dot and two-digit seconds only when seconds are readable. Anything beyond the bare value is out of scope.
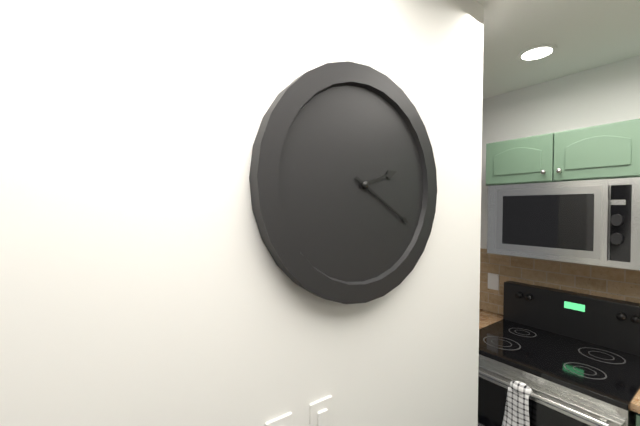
2.20
